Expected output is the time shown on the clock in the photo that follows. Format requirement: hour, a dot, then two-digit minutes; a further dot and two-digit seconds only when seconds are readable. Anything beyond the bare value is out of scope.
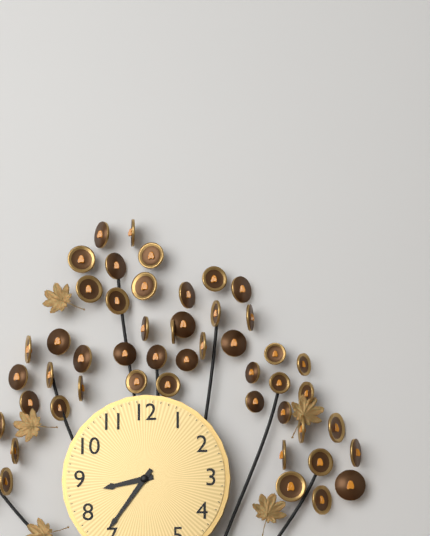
8.36
